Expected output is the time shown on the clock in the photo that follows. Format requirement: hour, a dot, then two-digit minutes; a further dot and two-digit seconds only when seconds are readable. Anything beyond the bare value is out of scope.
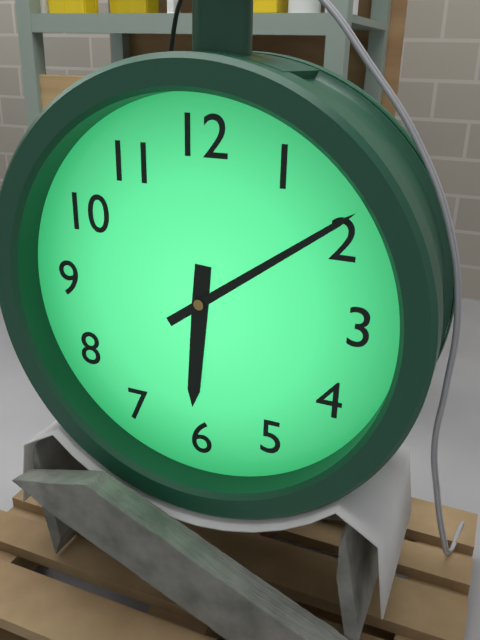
6.09
